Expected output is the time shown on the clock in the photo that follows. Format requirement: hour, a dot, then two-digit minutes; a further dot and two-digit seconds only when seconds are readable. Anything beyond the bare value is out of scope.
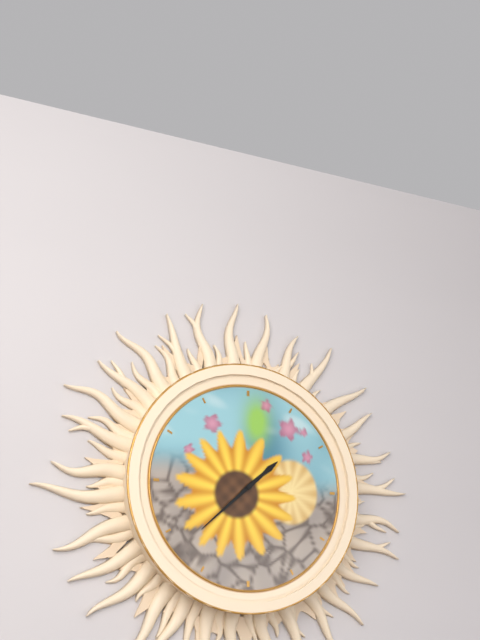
1.38
